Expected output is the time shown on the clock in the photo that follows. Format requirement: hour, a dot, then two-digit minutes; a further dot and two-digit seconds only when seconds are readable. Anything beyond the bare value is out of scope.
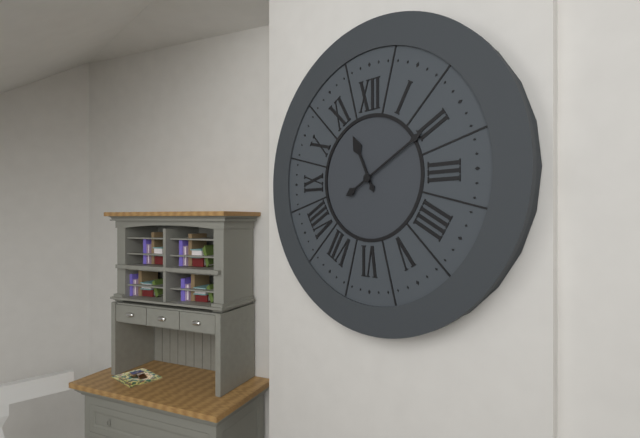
11.10
